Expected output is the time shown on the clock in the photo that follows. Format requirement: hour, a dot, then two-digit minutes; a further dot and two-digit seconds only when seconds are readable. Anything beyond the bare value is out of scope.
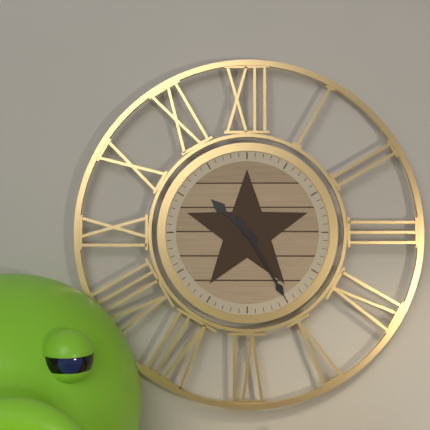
10.25
